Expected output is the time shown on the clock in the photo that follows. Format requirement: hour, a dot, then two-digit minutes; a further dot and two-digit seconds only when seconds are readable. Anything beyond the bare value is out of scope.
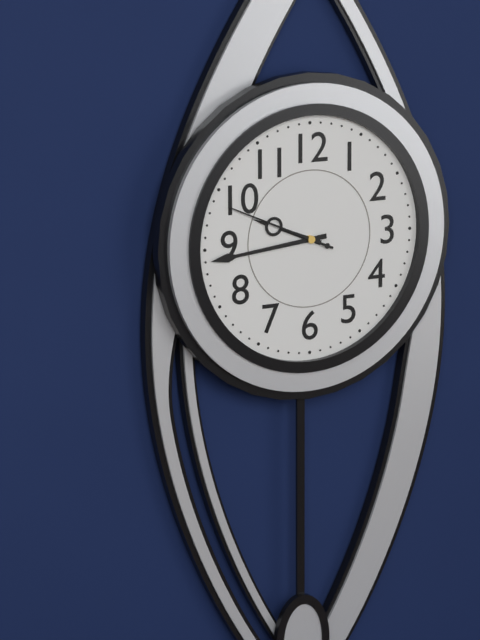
9.44.49
